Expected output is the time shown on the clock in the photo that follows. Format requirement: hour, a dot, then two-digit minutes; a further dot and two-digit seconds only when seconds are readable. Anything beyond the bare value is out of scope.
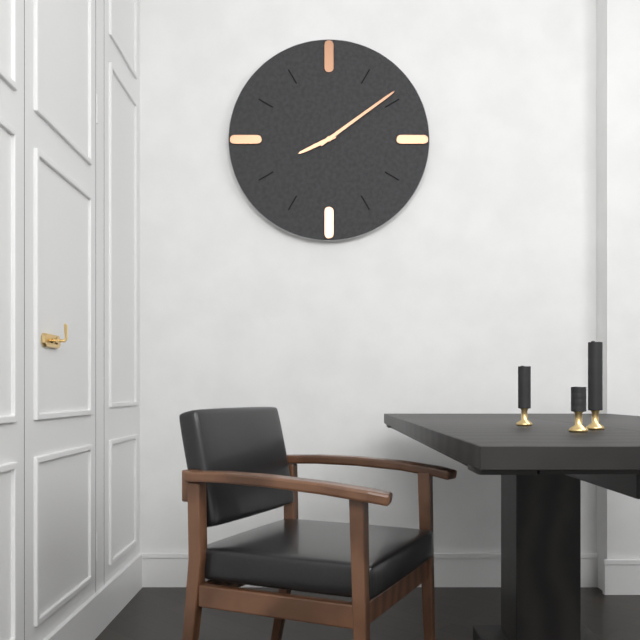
8.09
